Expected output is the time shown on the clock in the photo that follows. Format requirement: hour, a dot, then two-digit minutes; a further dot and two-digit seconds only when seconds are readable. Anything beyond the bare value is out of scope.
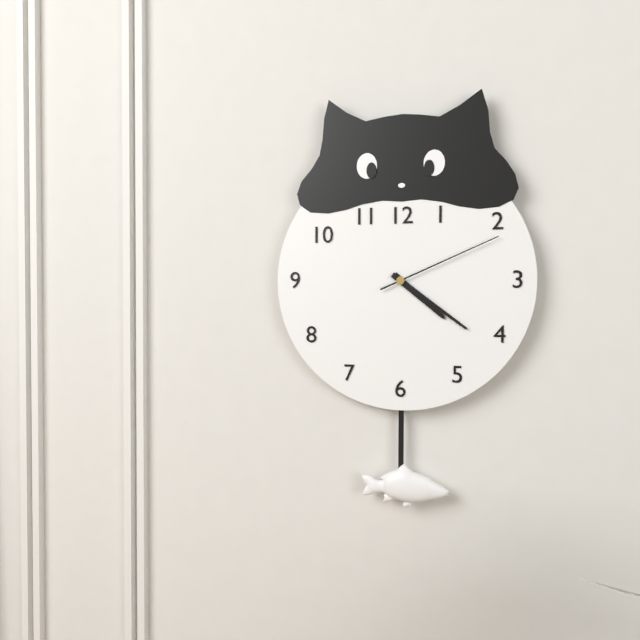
4.21.11
